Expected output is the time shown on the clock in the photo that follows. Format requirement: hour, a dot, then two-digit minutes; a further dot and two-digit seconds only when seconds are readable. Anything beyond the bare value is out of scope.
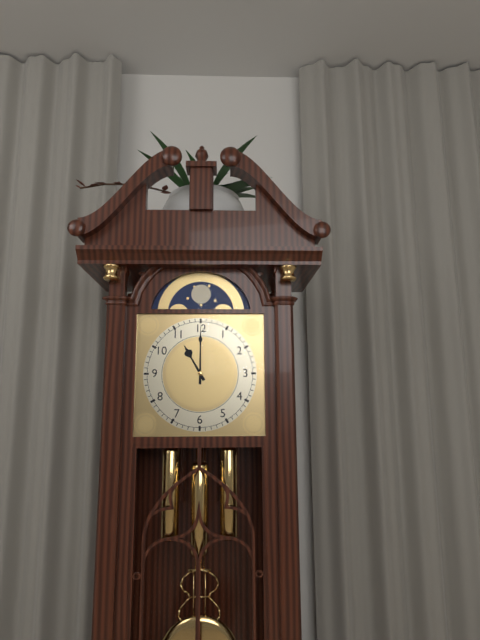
11.00
